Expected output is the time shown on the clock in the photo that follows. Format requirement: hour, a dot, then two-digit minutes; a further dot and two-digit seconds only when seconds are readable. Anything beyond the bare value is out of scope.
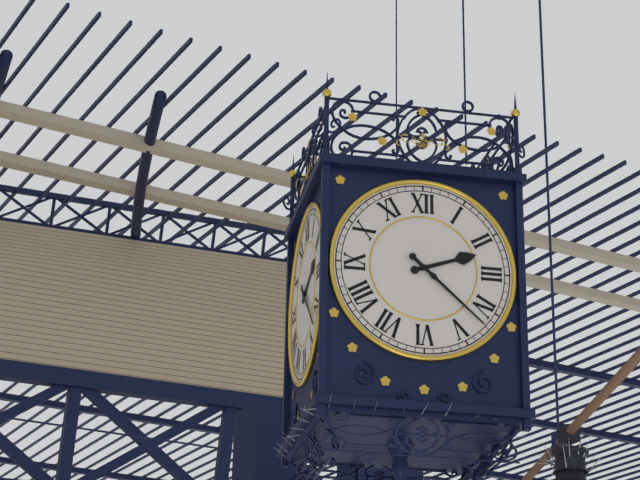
2.22
